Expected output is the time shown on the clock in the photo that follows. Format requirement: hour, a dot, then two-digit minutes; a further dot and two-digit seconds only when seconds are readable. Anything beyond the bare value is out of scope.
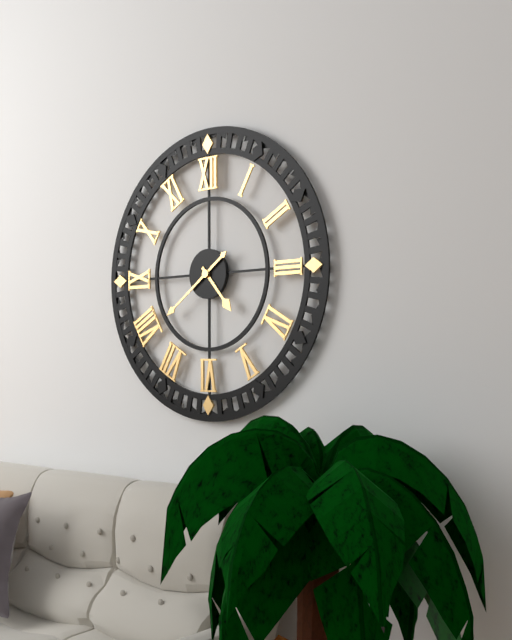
4.39
